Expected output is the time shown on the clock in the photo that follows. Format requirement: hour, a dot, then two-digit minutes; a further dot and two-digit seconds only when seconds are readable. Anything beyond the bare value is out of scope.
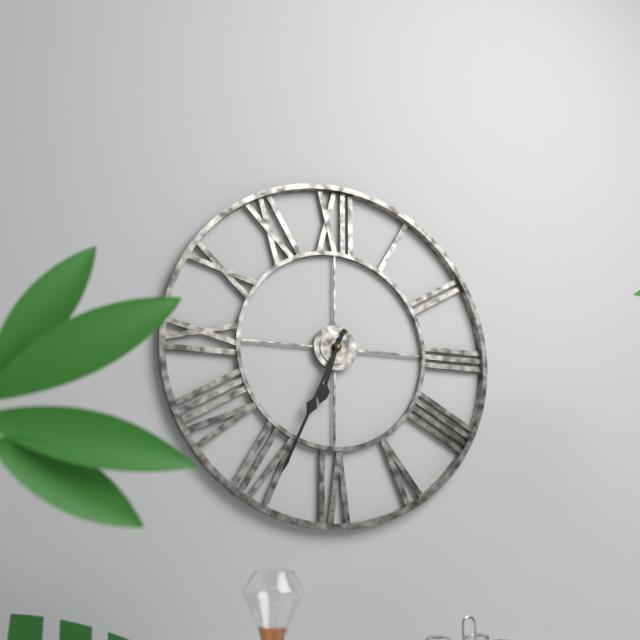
6.34
